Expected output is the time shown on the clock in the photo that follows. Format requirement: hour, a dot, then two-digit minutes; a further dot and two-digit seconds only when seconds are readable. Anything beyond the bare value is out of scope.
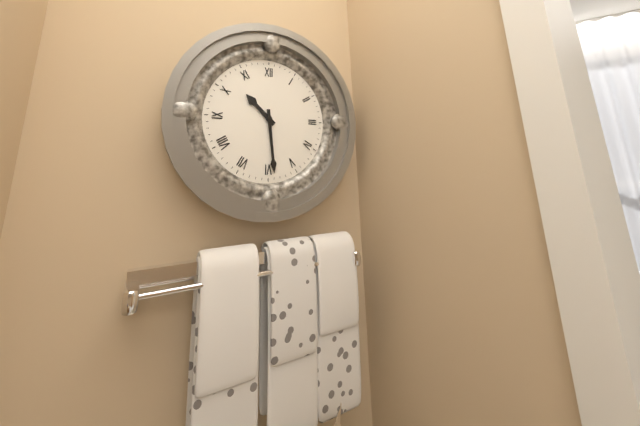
10.29
